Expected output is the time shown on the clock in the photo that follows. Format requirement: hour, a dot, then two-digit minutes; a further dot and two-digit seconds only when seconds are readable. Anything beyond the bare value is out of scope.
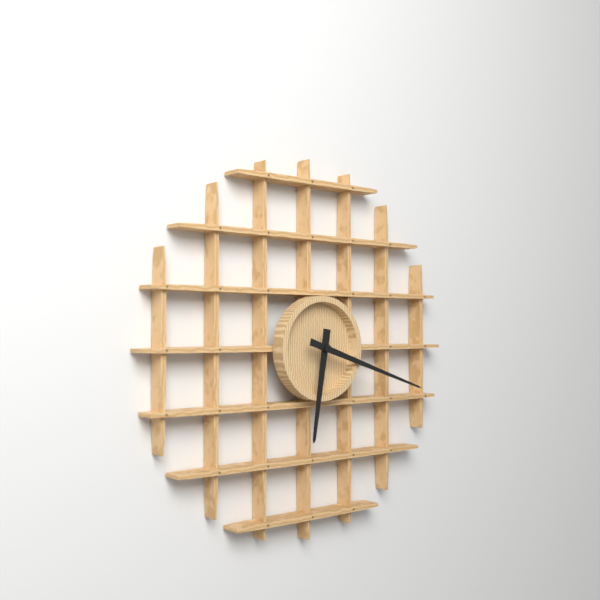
6.18
